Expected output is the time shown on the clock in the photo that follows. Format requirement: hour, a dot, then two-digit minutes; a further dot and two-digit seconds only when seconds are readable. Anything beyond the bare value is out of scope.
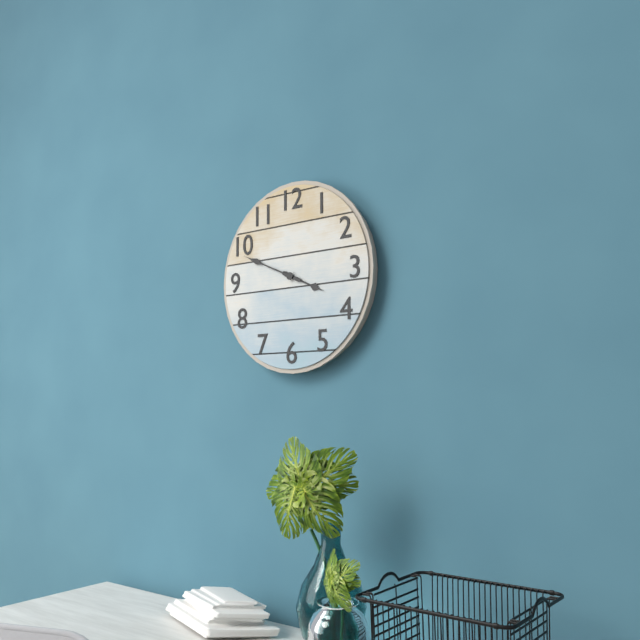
3.49
